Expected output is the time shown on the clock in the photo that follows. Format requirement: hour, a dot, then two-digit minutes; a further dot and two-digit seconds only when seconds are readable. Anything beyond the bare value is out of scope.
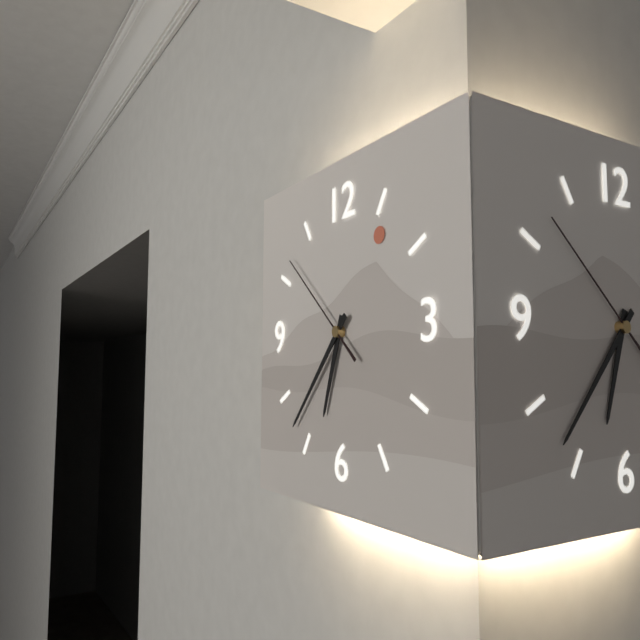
6.37.52
